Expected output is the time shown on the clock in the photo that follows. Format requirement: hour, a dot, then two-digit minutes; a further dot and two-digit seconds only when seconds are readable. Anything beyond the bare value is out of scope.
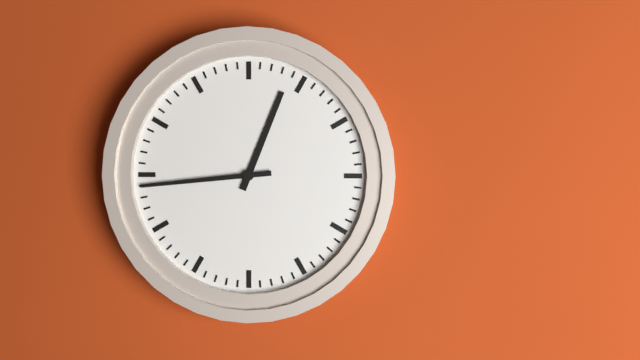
12.44
